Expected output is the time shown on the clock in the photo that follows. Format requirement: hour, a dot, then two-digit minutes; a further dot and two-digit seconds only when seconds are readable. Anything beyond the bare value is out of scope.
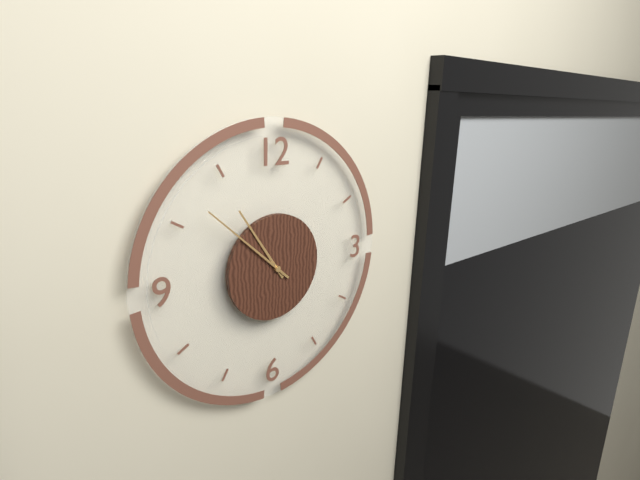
10.52
